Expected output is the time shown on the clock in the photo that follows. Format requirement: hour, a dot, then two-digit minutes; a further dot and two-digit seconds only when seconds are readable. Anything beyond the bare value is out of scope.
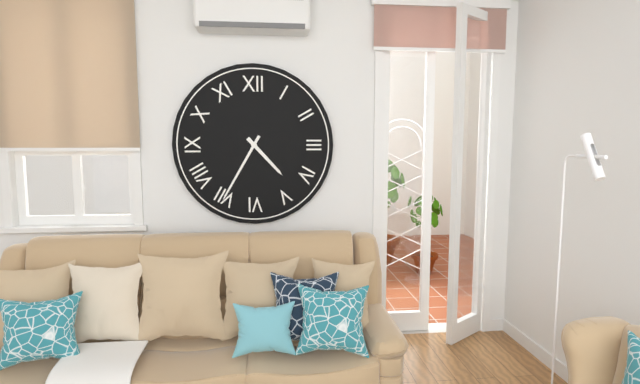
4.35
